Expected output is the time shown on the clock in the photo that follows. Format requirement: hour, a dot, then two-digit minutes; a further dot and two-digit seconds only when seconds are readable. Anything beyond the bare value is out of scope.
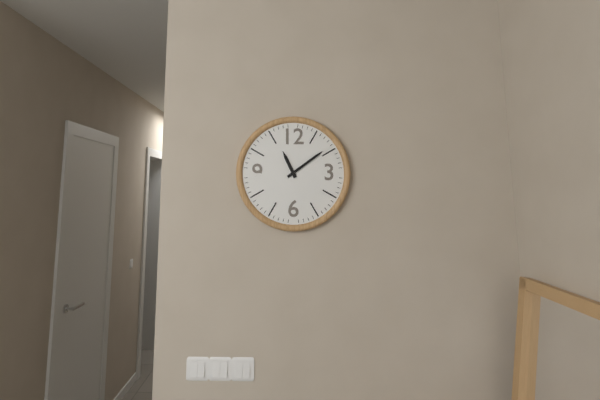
11.09
